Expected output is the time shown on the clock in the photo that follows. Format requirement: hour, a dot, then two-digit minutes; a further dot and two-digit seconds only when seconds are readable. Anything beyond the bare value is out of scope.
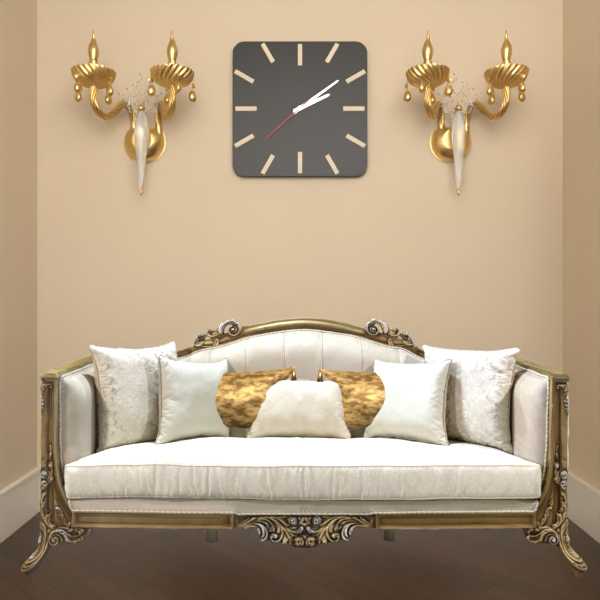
2.09.38
